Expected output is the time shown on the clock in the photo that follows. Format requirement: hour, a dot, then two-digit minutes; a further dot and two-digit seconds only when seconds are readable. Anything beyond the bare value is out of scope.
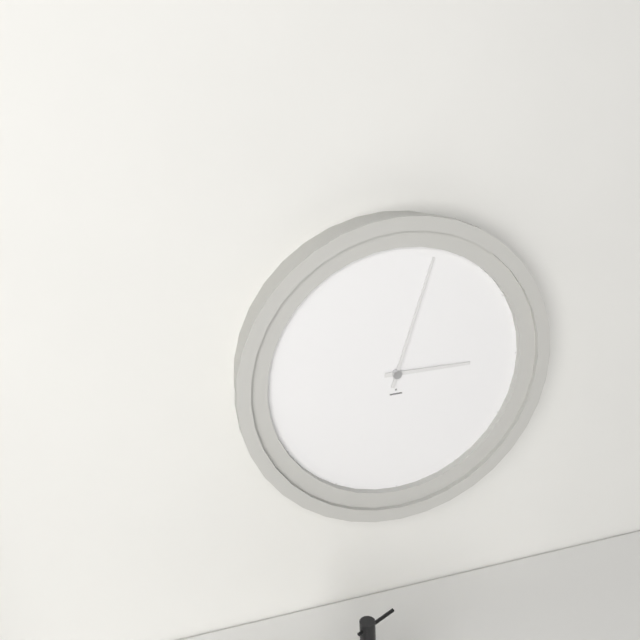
3.03
